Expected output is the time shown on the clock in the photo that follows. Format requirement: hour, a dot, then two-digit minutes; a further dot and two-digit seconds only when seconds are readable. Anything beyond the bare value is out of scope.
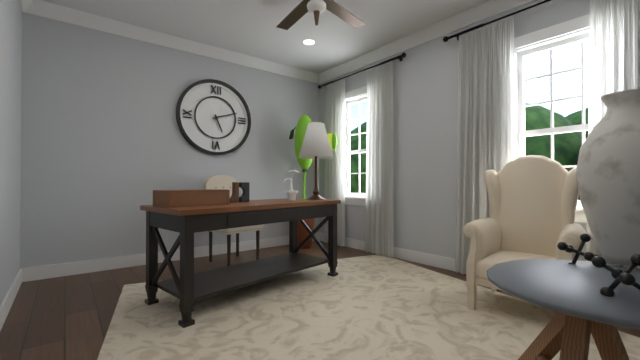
5.12
